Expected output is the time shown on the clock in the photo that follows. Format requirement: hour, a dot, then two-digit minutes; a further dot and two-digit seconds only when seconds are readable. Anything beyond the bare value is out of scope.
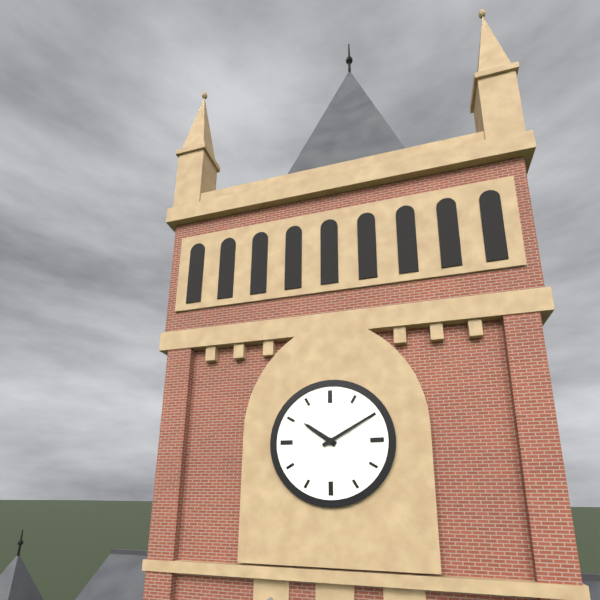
10.10
